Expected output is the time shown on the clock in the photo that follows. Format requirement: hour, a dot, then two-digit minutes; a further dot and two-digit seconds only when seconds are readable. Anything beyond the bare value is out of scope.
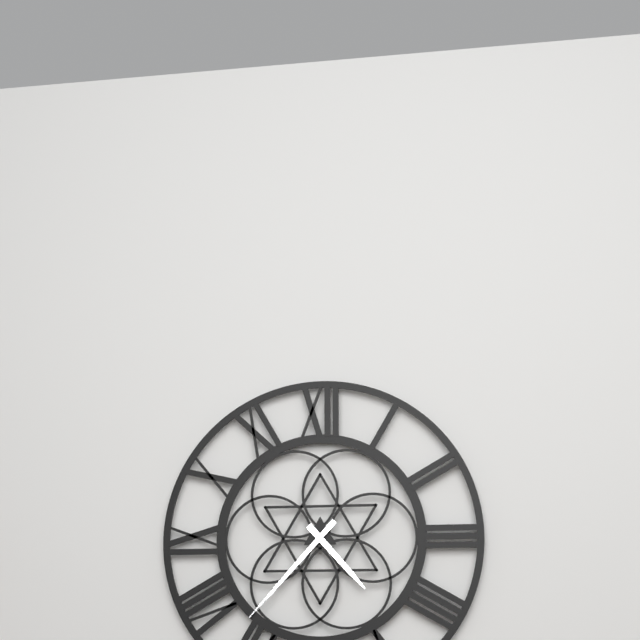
4.37
